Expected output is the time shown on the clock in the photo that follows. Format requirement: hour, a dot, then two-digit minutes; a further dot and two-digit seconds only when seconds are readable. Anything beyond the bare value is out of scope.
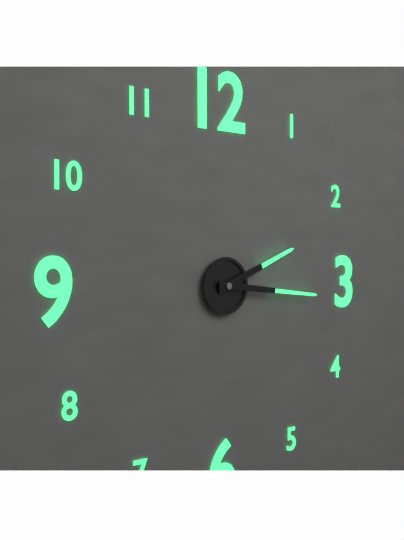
2.16
